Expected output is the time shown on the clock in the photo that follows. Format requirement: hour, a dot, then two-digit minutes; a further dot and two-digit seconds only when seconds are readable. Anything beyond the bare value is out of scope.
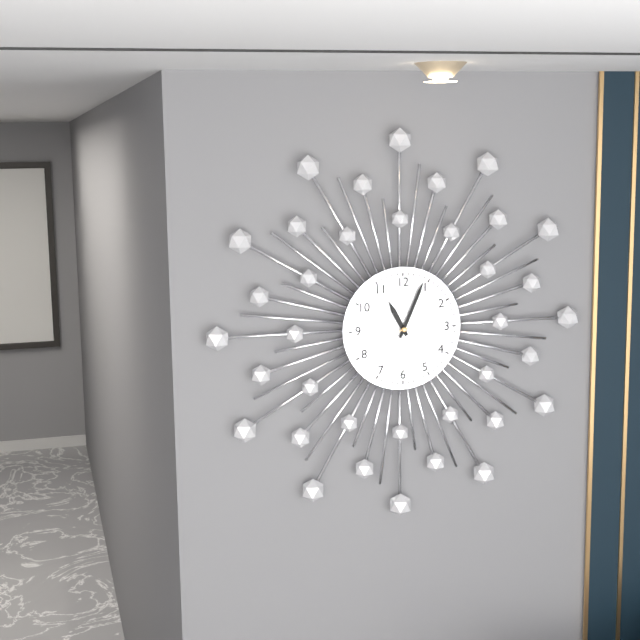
11.04.42
